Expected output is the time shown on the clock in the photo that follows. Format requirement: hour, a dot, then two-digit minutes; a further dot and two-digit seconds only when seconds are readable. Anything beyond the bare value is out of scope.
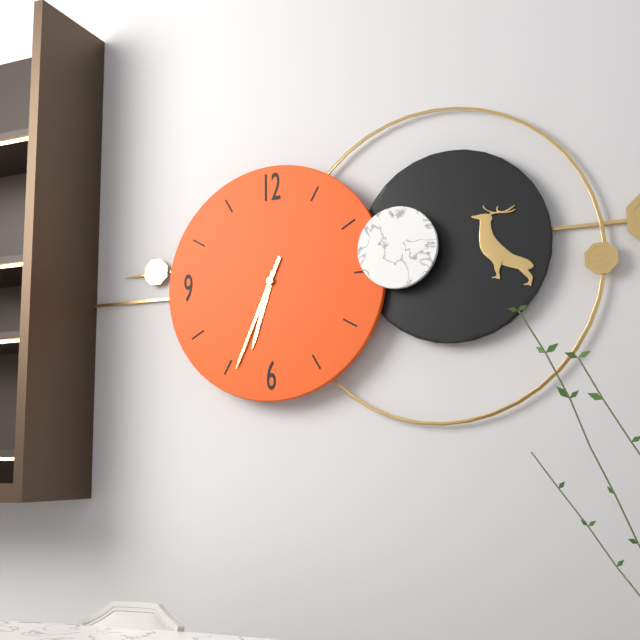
6.34
